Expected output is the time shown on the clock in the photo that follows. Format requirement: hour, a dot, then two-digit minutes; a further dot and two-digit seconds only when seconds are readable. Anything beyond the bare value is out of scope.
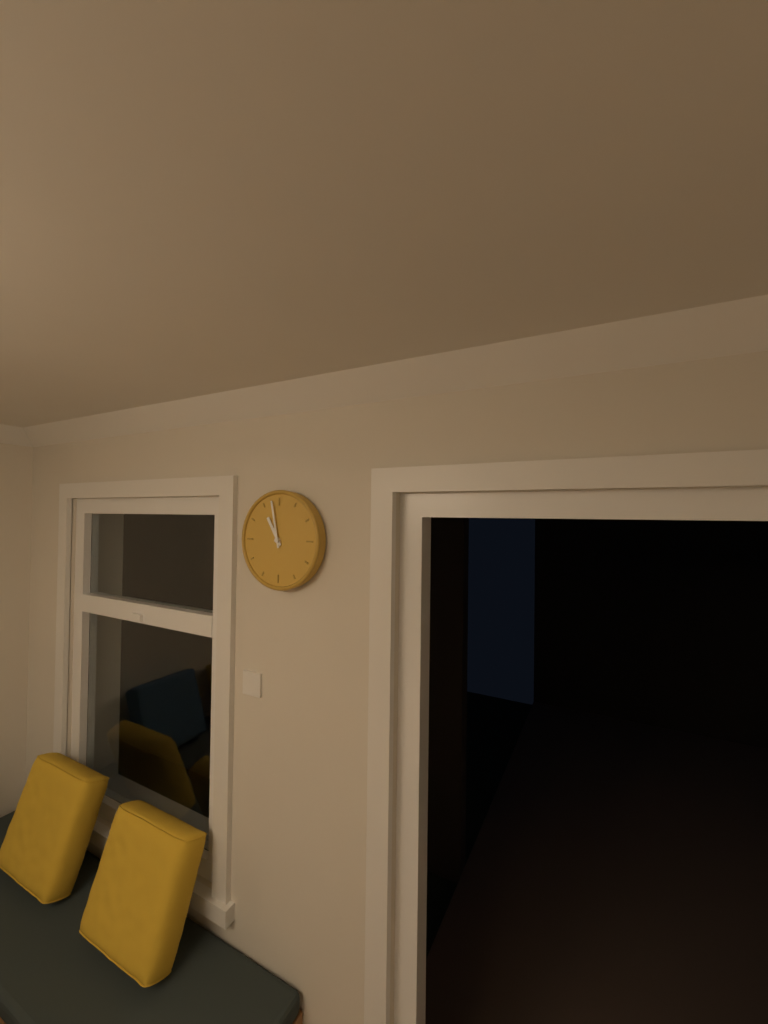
10.58
